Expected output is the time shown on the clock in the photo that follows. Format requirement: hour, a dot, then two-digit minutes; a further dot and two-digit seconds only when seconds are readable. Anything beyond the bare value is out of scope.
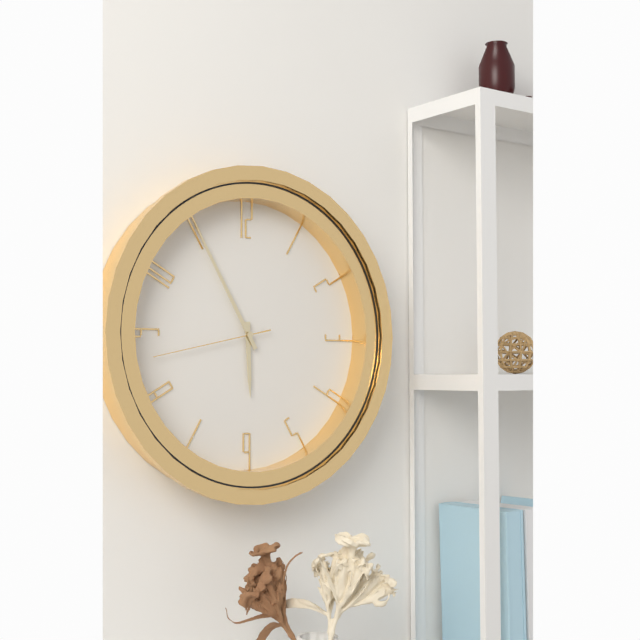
5.55.43
